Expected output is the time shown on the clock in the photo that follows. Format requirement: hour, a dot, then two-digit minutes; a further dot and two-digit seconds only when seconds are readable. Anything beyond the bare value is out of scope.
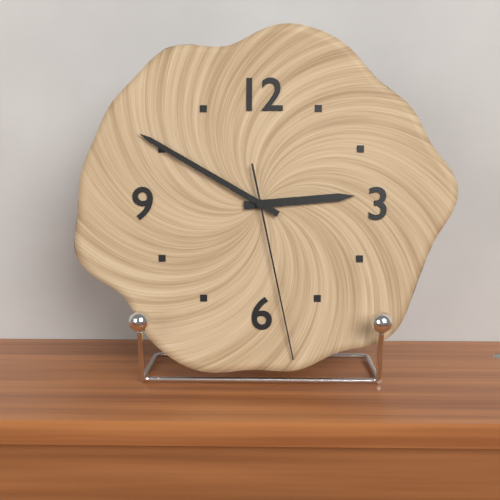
2.50.28
